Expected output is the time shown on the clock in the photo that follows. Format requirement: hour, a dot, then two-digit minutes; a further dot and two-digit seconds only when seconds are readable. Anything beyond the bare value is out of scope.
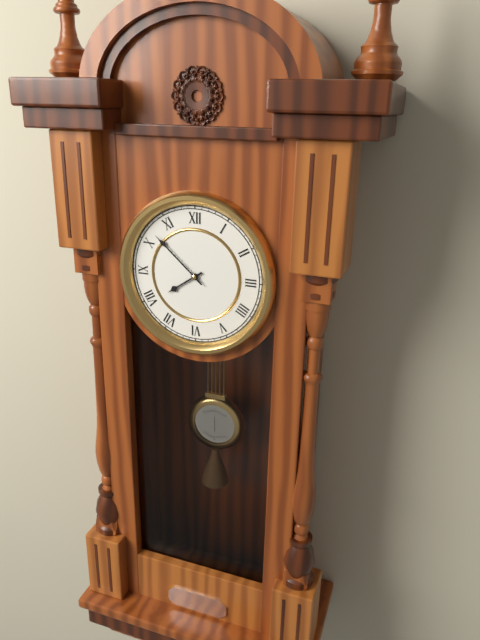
7.52
